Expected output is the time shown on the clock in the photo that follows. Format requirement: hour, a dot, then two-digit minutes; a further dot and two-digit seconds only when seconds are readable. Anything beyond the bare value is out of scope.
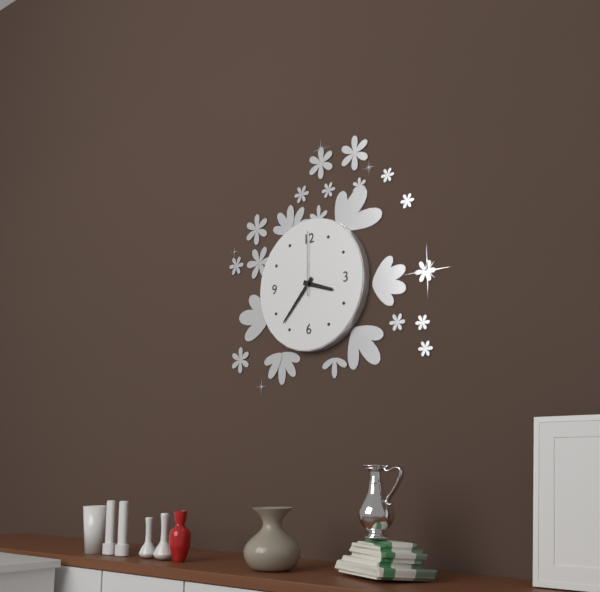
3.37.00
